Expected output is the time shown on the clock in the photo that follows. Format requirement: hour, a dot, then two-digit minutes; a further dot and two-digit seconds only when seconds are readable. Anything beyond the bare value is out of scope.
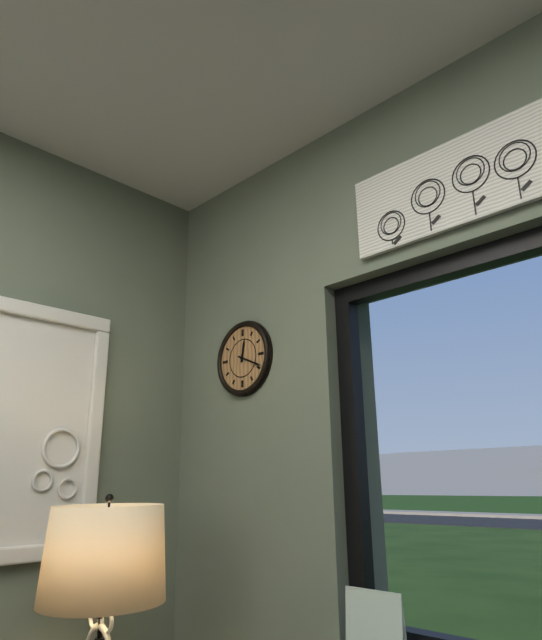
12.19
